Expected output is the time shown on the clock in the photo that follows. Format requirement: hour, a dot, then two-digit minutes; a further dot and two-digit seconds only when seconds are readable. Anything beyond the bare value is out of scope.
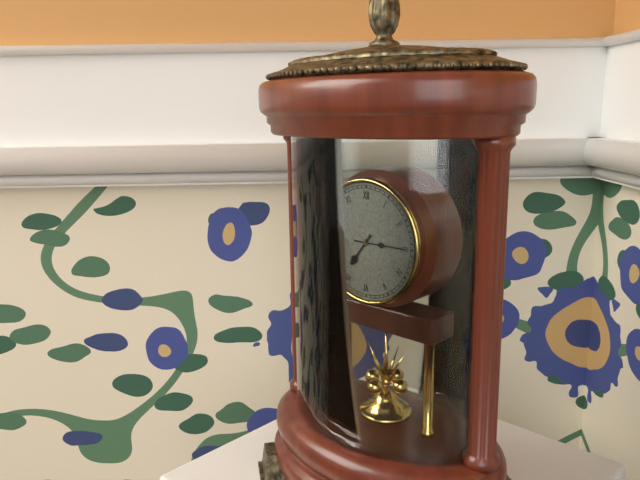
7.15
